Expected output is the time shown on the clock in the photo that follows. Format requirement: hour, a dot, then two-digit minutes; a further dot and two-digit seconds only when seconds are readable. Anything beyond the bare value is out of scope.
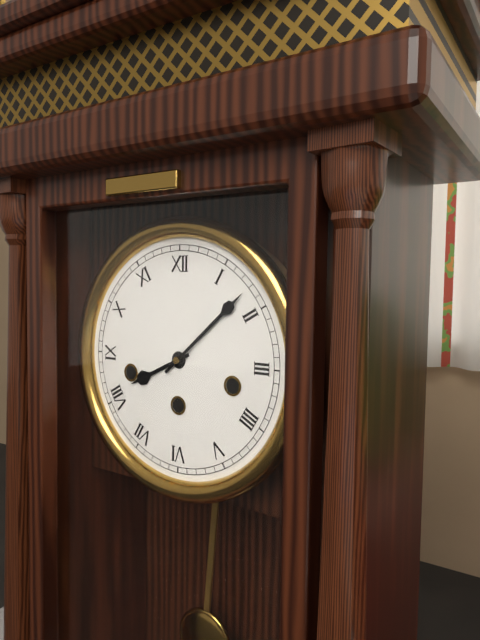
8.08
